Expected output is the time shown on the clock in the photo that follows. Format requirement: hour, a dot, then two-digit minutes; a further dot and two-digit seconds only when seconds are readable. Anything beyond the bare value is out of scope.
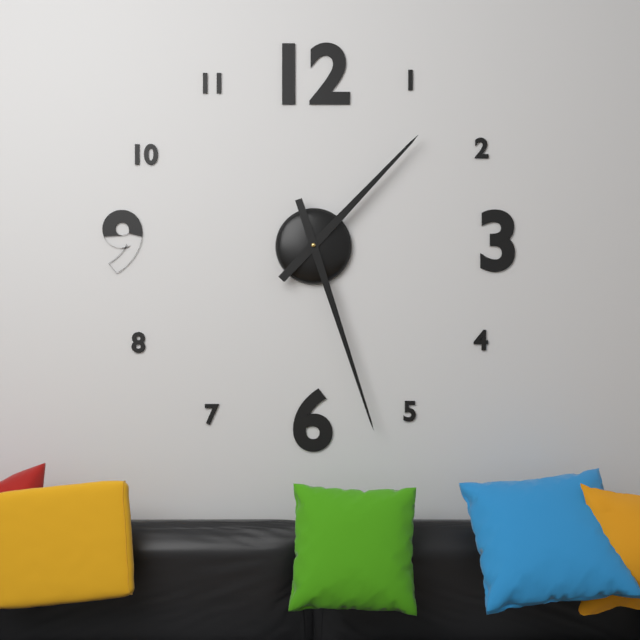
1.27
